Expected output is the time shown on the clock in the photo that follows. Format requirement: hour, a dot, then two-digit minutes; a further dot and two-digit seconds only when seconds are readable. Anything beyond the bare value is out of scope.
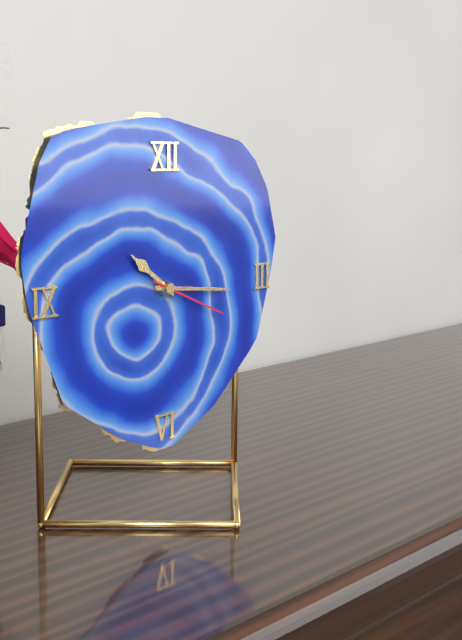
10.16.19
